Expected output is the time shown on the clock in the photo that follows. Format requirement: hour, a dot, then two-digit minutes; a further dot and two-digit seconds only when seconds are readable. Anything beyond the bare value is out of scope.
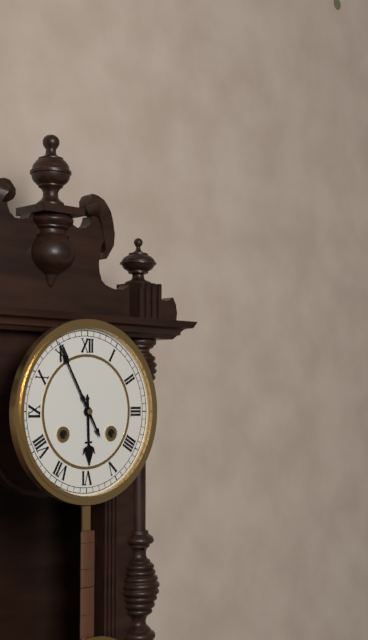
5.55
